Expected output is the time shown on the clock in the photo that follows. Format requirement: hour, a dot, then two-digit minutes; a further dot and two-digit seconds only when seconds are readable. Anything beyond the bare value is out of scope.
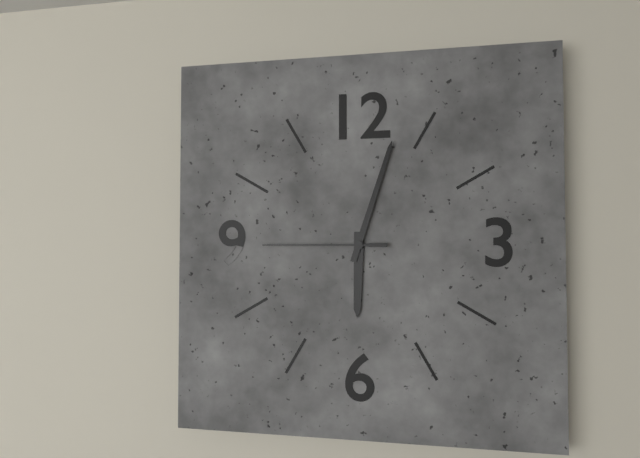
6.03.45
